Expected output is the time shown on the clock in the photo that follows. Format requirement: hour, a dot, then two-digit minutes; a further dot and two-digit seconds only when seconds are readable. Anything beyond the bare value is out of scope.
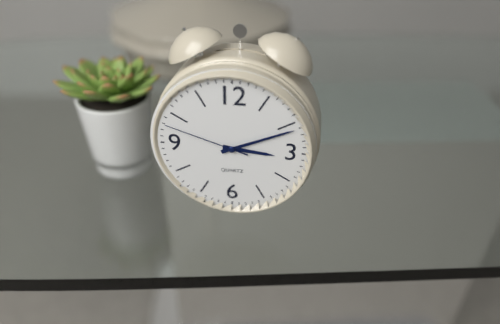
3.11.48
